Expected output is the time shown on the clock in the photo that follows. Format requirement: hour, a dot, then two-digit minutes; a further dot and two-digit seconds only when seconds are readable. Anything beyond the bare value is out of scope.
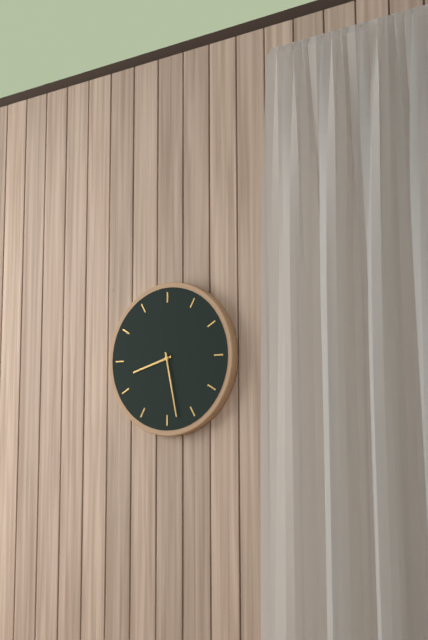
8.28
